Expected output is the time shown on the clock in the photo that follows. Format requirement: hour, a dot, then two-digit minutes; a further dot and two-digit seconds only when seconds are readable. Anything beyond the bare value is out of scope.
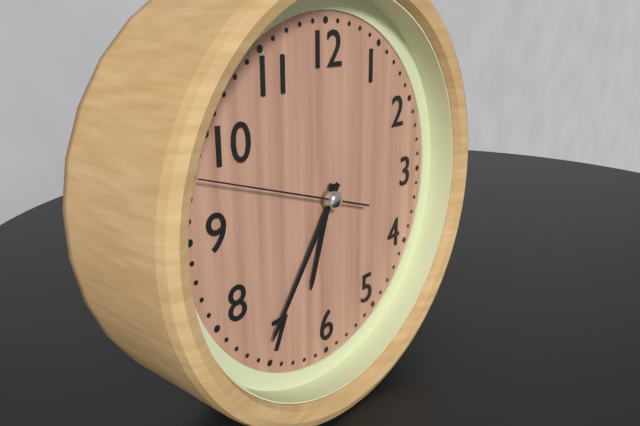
6.36.48
